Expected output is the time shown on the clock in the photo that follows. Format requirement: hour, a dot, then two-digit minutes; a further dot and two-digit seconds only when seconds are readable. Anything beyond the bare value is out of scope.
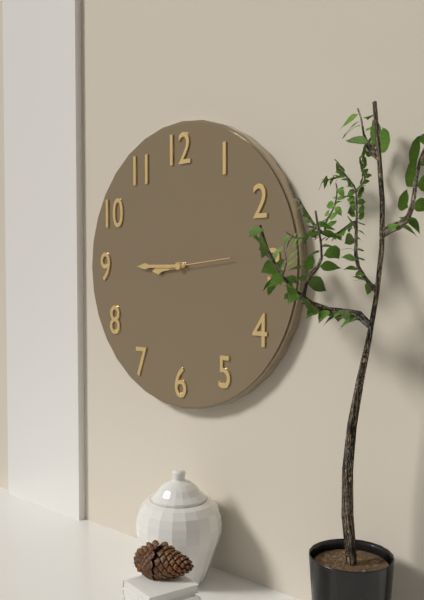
8.45.14
